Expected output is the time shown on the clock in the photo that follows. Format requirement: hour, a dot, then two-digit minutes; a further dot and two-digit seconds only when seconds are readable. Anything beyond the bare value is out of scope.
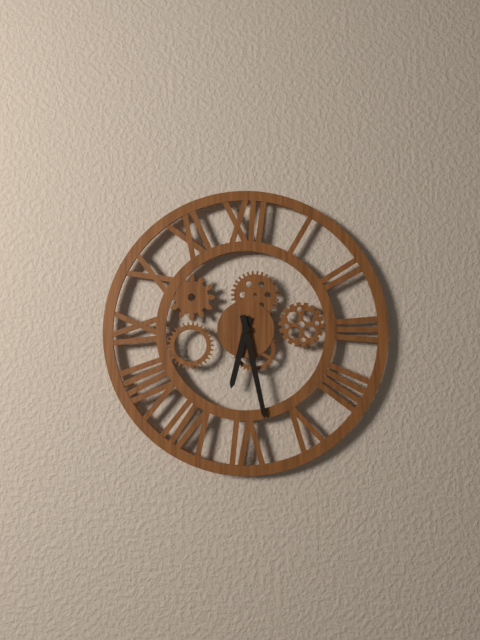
6.28
